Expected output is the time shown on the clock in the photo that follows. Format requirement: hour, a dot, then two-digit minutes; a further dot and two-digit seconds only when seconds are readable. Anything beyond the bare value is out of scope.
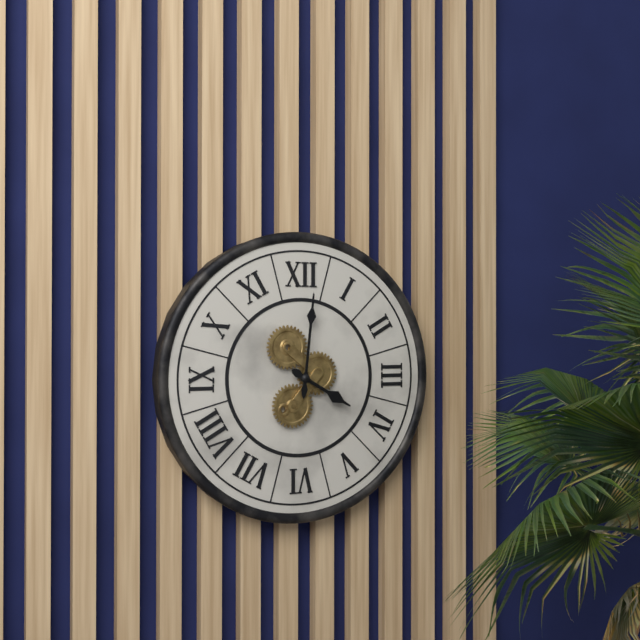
4.01
